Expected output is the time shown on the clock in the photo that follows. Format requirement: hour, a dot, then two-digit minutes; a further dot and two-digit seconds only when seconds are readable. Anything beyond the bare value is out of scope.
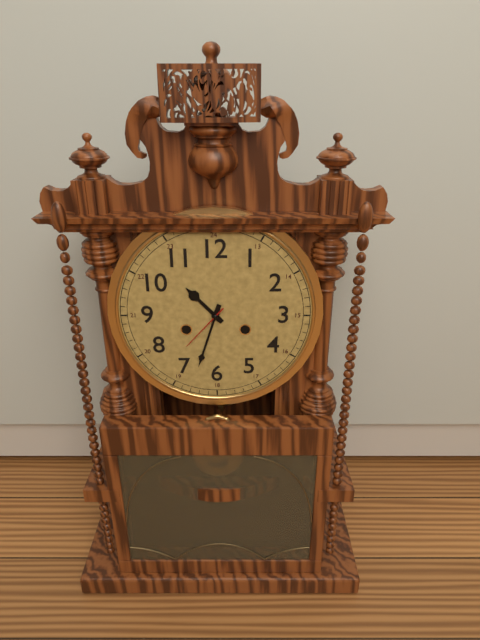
10.33.37
